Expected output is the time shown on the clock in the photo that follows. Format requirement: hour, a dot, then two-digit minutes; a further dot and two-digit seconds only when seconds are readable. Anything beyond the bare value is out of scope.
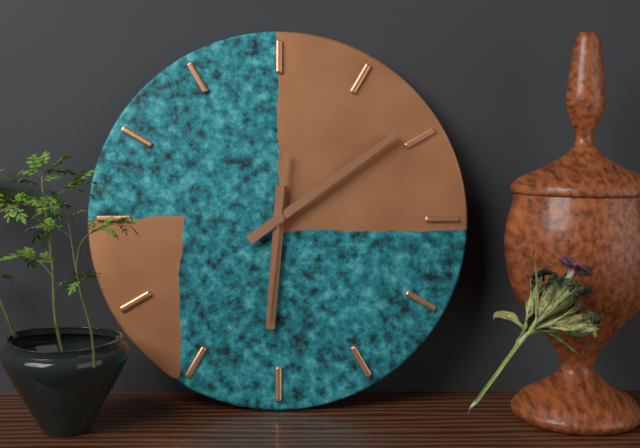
6.09.31
